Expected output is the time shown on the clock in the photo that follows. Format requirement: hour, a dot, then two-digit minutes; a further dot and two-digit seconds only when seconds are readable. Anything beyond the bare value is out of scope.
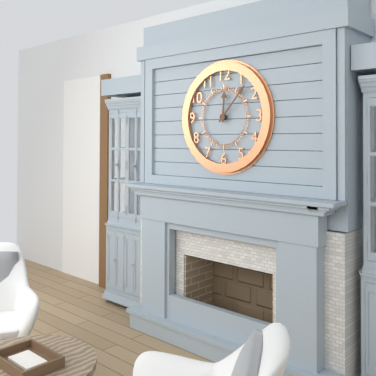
12.07
